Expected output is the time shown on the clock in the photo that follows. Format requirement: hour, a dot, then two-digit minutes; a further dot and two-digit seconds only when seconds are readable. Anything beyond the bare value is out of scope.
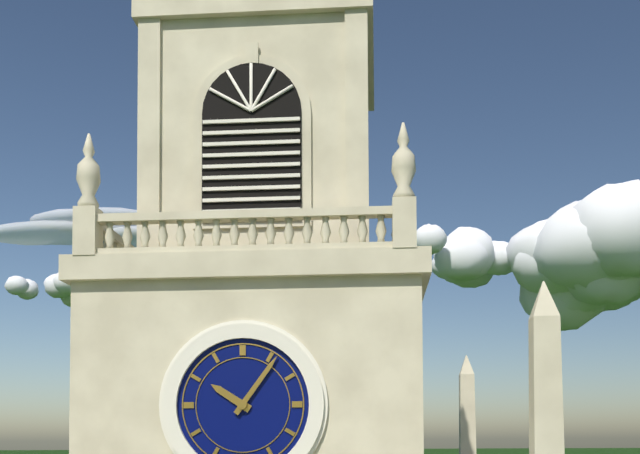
10.06
